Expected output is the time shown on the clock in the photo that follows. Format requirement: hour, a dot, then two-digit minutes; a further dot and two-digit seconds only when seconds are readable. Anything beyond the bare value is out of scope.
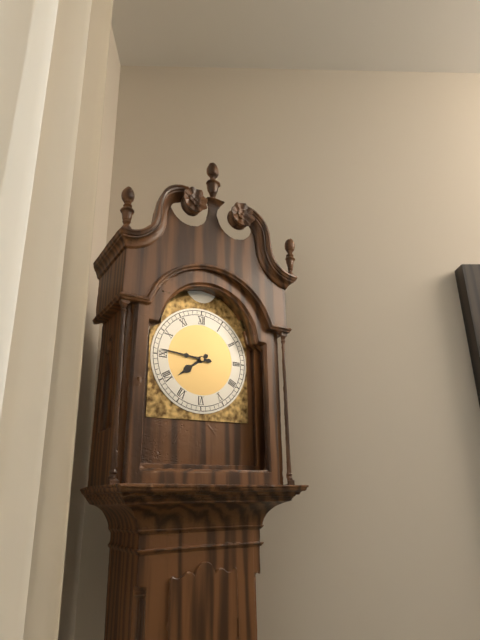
7.46
